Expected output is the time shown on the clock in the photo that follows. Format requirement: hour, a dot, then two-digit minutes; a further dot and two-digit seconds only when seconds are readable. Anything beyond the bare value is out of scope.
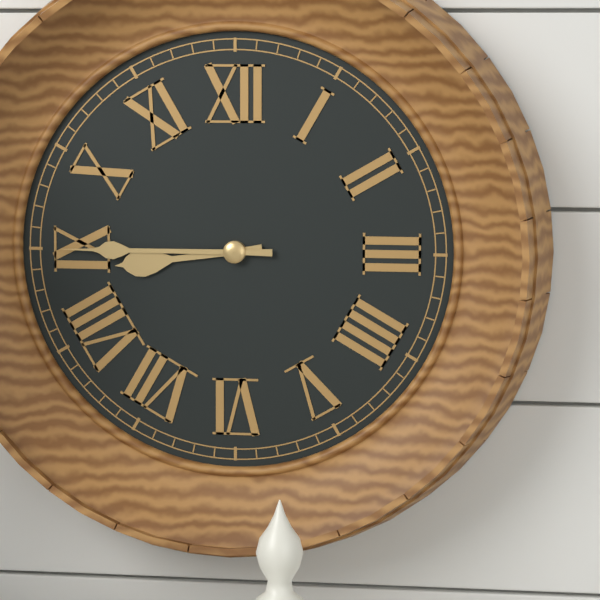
8.45
